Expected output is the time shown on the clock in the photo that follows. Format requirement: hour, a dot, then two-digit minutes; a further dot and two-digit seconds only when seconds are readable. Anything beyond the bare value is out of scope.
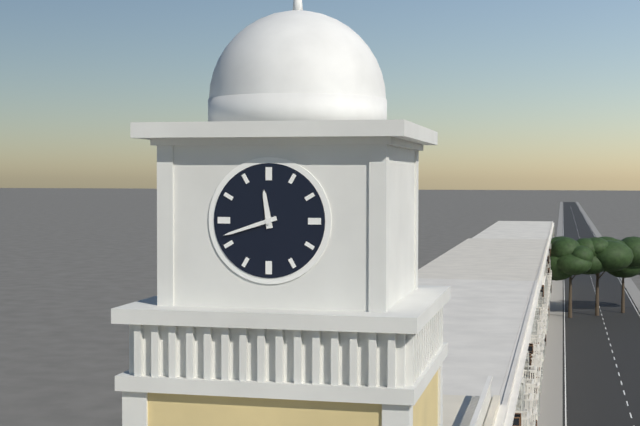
11.42
